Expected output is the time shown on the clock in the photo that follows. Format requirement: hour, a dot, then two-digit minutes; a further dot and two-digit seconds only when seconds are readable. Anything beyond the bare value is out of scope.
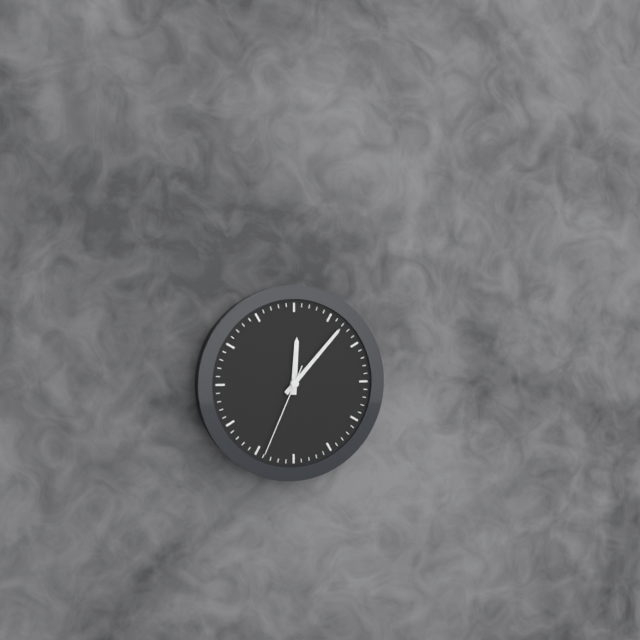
12.07.34
